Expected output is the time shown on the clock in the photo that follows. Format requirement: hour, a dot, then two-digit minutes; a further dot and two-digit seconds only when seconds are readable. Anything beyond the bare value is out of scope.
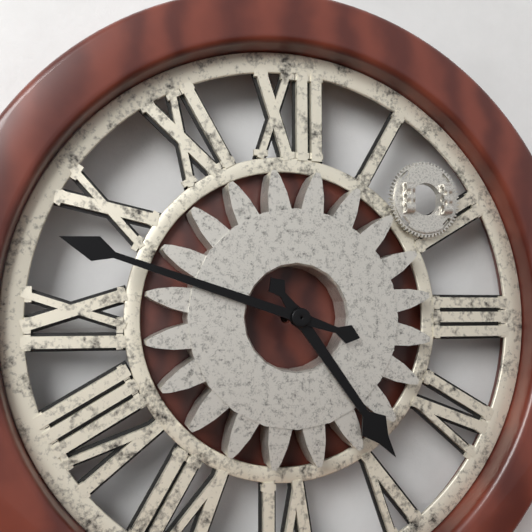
4.48
